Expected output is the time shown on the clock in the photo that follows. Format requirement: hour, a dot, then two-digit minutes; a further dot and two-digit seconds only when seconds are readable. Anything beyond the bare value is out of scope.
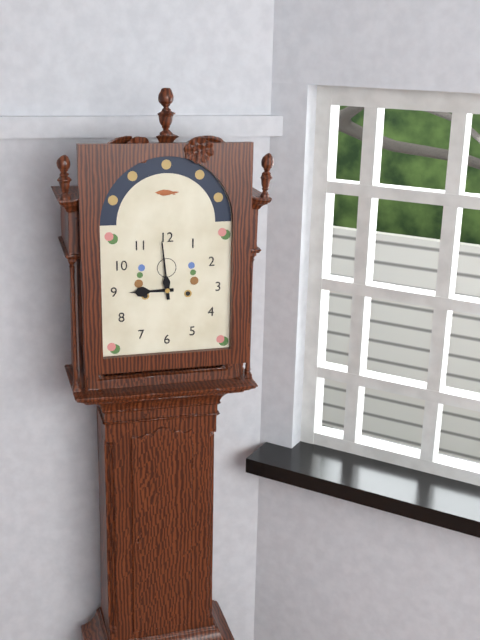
8.59
